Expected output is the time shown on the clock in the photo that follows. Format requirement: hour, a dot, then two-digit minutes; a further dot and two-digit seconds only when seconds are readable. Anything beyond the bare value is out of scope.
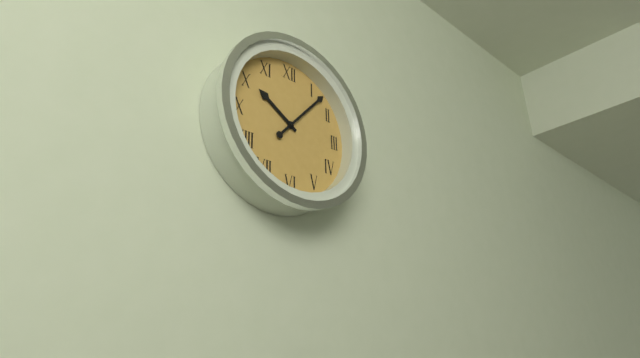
10.07
